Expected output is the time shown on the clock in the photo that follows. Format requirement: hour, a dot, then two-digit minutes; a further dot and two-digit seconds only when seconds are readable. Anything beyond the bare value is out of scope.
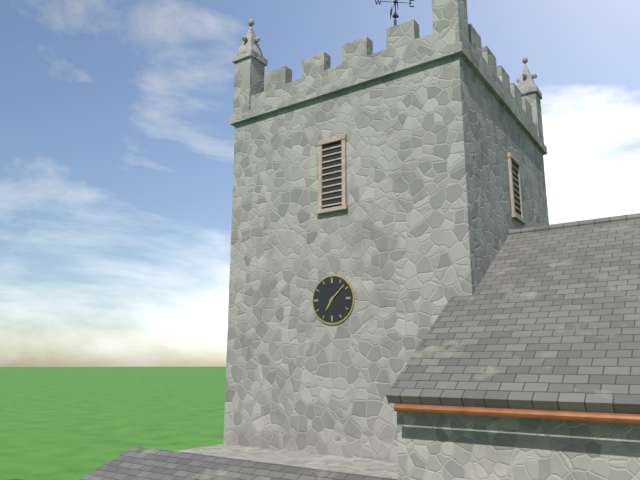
7.08
